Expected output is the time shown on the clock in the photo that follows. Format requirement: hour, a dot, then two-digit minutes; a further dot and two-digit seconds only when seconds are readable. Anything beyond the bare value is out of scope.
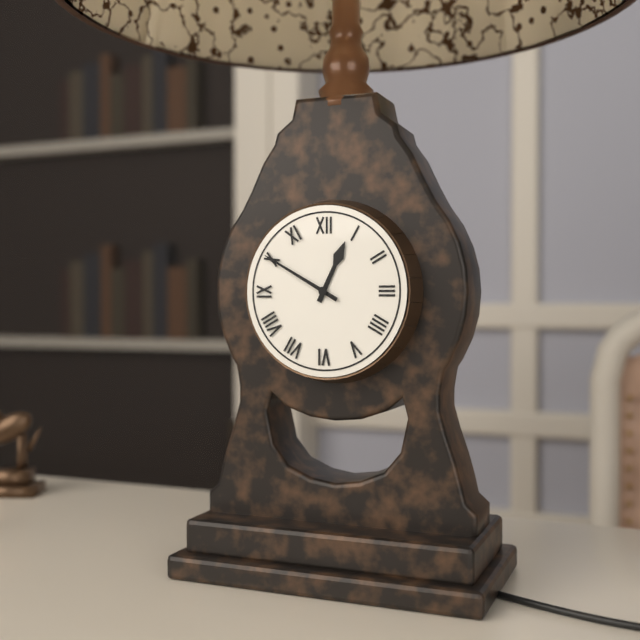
12.50
